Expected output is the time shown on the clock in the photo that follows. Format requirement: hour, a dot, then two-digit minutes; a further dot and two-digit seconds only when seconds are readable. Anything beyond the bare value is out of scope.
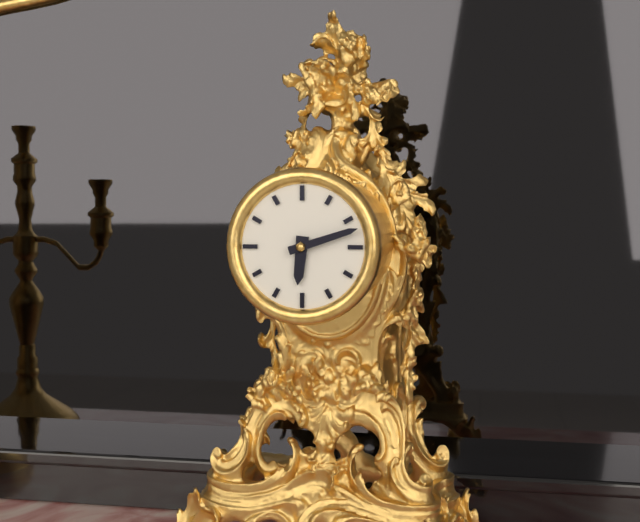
6.12
